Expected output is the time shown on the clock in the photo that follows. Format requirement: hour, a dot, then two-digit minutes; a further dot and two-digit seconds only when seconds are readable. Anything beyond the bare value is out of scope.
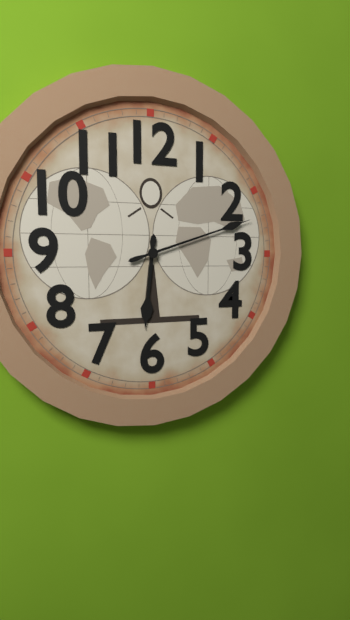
6.12
